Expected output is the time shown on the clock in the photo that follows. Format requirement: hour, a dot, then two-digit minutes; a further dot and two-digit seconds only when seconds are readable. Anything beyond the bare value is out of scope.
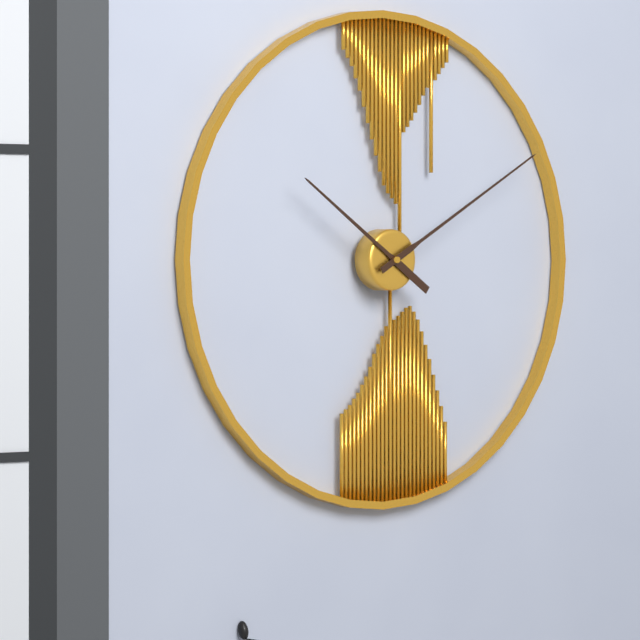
10.10
